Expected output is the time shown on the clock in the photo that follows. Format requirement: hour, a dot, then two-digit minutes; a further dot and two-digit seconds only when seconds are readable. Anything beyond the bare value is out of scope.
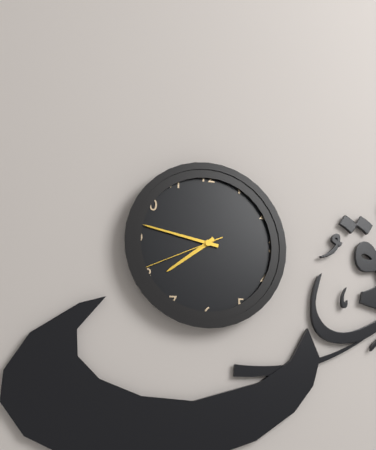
7.47.41
